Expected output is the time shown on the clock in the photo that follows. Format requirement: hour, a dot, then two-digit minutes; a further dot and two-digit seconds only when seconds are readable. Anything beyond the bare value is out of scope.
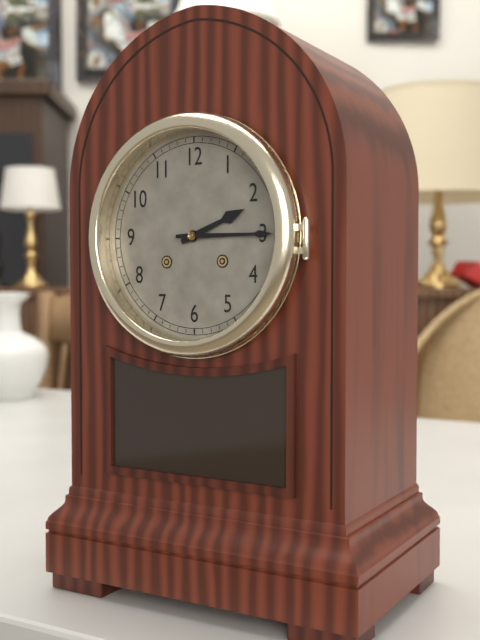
2.15
